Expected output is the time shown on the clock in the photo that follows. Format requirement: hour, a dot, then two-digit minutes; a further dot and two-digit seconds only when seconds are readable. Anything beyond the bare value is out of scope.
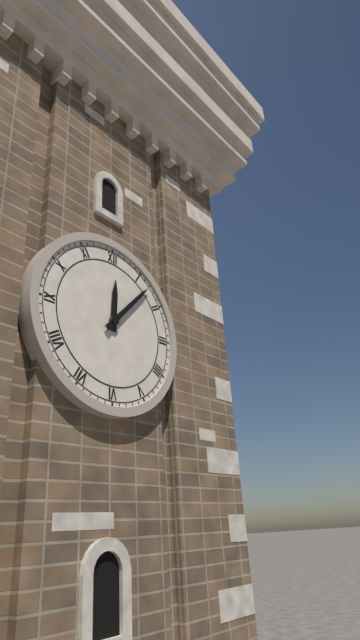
12.07
